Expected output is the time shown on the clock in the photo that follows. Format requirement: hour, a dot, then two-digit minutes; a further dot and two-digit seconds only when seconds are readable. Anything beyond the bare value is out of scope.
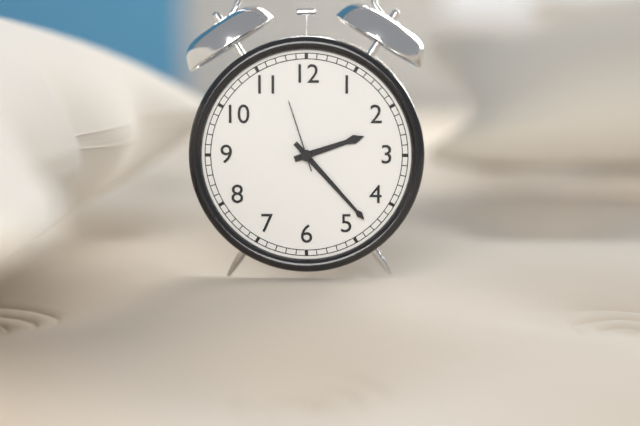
2.23.57
